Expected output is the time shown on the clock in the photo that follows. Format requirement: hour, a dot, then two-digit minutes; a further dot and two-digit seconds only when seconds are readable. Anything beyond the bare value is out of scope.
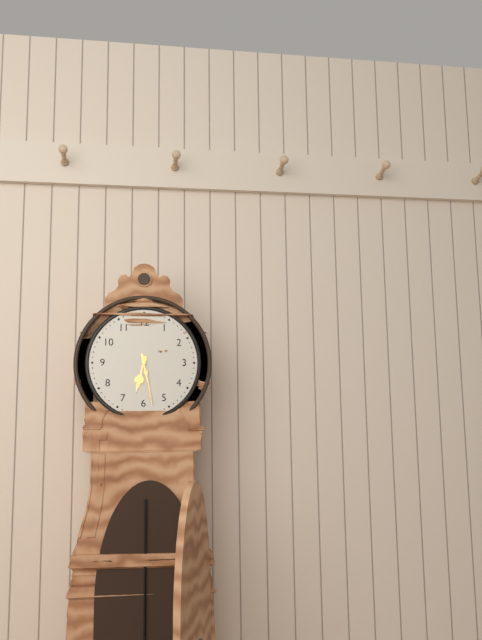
6.28
